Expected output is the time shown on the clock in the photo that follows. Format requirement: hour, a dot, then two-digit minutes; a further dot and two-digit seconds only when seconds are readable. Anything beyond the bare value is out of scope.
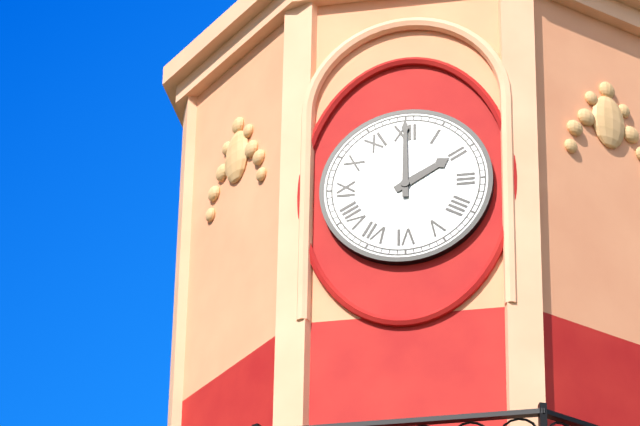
2.00
